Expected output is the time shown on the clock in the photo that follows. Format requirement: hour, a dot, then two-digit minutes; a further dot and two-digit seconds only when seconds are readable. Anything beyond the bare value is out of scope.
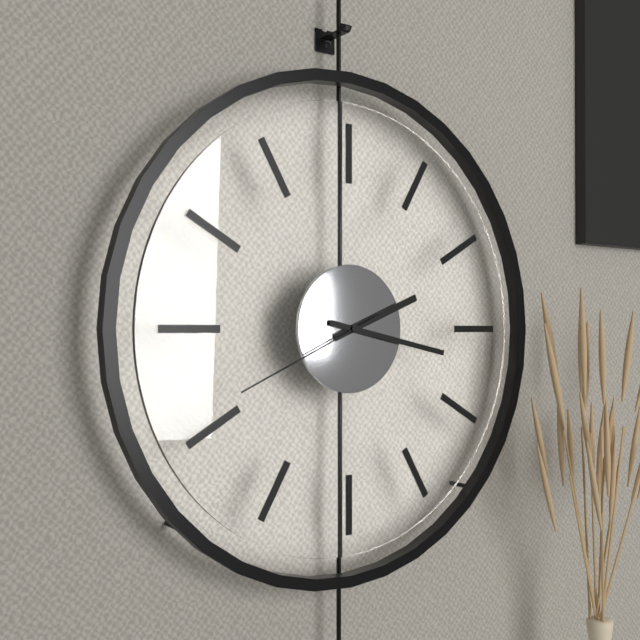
2.17.41
